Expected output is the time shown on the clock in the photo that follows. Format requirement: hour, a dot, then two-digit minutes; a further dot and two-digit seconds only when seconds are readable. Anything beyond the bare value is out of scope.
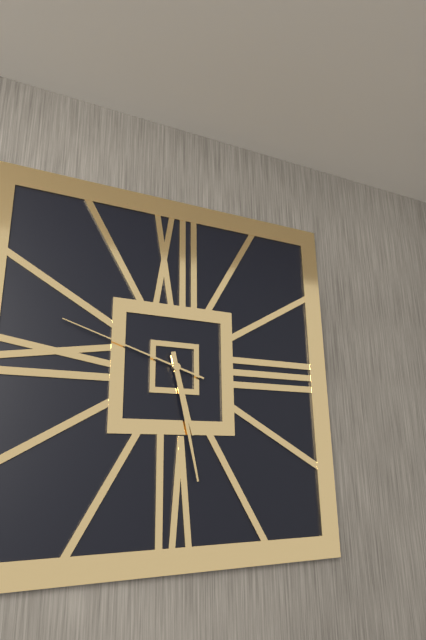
5.28.48
